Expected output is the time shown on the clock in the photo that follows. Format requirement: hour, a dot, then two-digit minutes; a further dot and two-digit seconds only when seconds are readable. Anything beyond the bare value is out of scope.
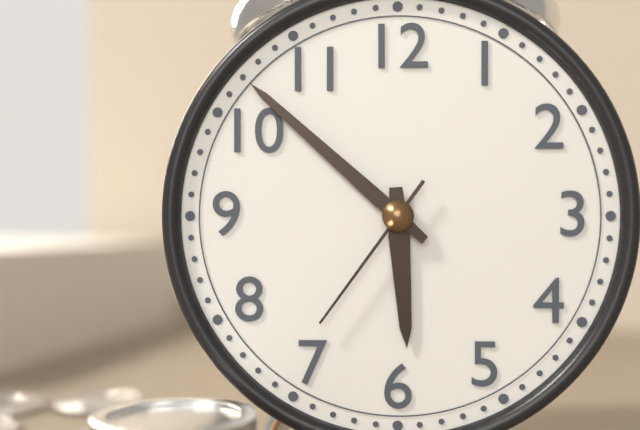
5.52.36
